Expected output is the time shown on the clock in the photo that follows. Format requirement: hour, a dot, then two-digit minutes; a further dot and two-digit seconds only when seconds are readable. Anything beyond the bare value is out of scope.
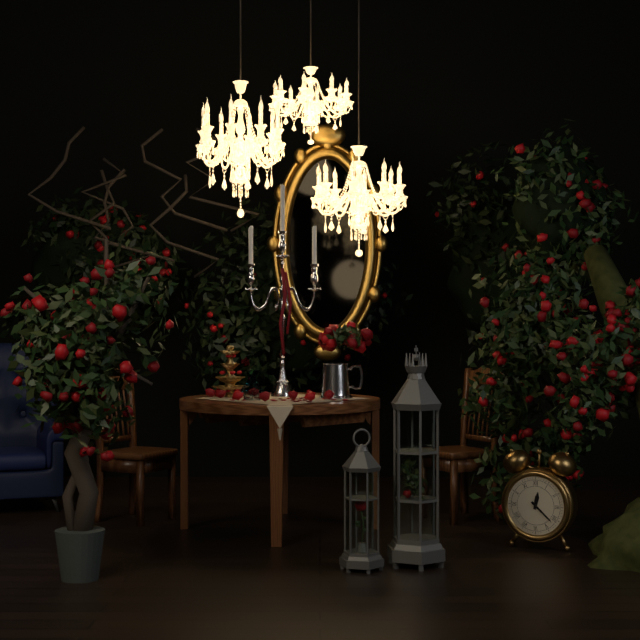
12.22
